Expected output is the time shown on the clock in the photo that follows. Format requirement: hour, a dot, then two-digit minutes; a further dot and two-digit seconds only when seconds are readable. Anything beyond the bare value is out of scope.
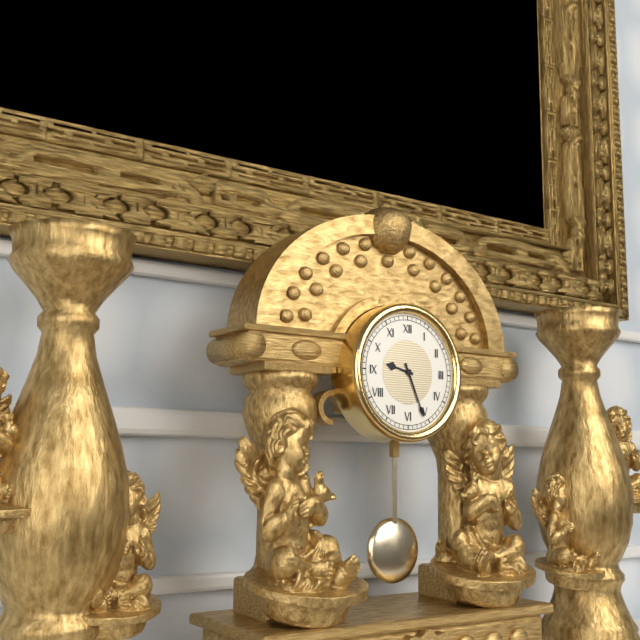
9.26
